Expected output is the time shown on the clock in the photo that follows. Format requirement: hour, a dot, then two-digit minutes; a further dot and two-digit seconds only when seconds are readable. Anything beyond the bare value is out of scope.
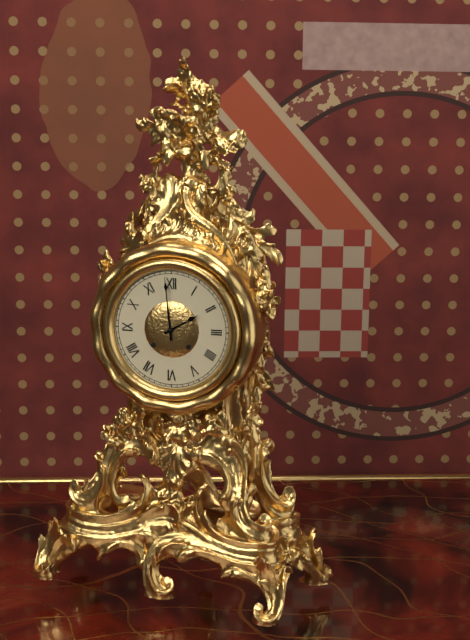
1.59
